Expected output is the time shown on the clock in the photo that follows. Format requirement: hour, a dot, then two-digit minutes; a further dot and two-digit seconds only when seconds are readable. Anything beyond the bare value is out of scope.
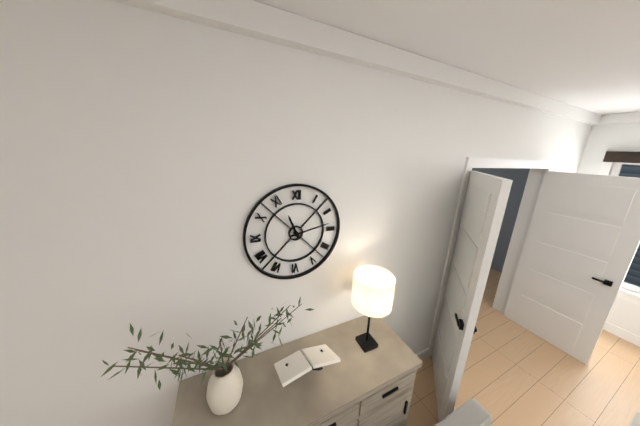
11.13
